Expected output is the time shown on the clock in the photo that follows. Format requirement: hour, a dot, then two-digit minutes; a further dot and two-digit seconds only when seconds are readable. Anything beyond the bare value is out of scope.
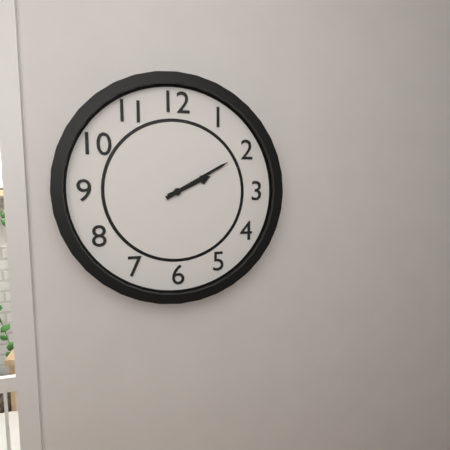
2.10
